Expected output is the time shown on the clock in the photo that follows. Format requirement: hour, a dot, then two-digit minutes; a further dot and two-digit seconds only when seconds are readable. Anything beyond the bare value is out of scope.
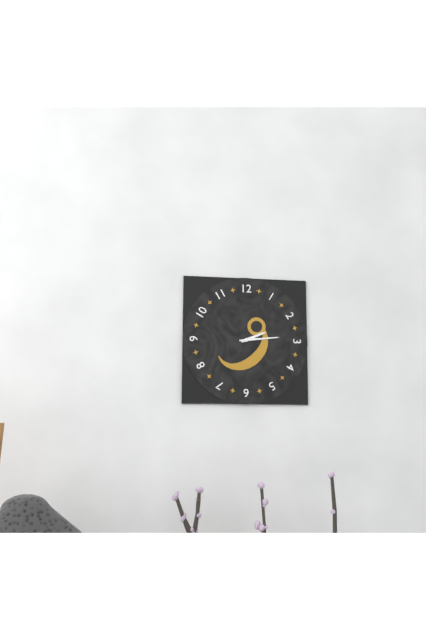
2.14
